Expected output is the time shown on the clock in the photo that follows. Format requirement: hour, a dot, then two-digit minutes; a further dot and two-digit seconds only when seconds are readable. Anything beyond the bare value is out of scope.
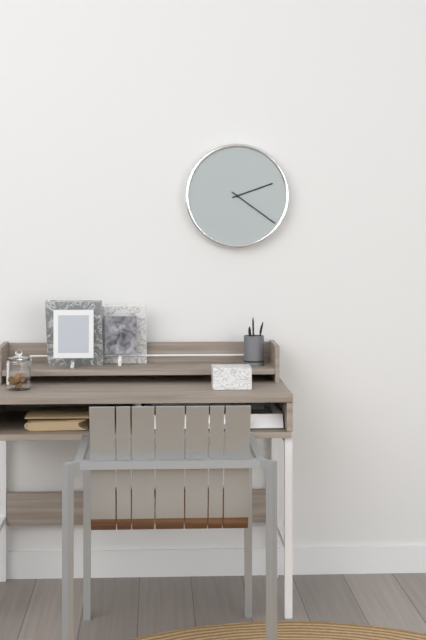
2.21
